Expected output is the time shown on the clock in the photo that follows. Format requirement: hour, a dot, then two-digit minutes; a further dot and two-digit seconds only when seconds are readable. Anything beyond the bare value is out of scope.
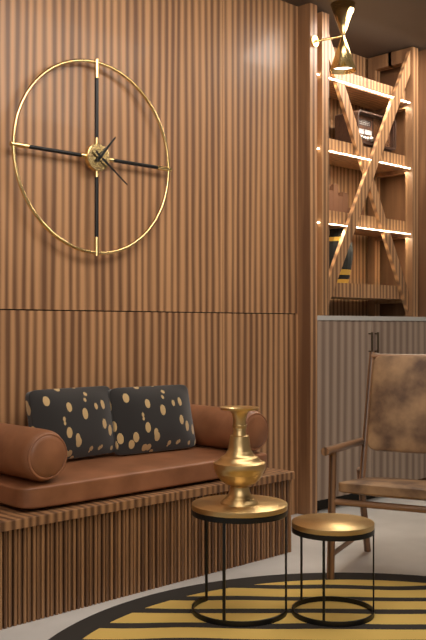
1.21
